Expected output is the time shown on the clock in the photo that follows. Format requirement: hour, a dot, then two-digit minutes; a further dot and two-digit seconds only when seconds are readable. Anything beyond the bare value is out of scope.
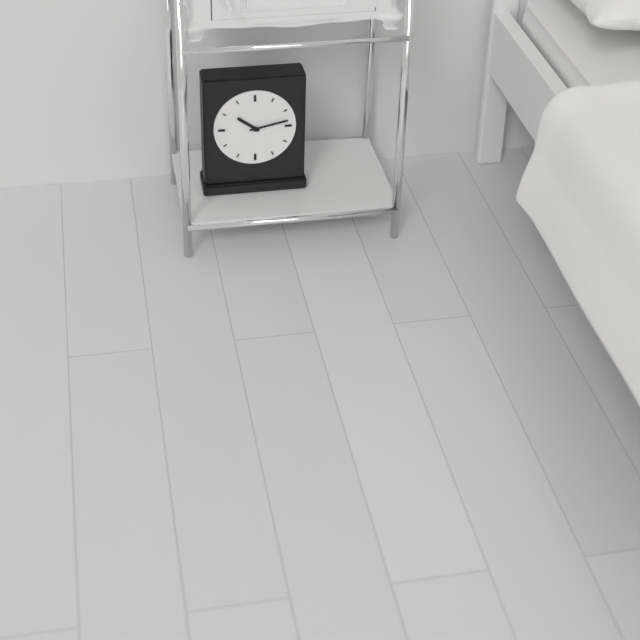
10.13
